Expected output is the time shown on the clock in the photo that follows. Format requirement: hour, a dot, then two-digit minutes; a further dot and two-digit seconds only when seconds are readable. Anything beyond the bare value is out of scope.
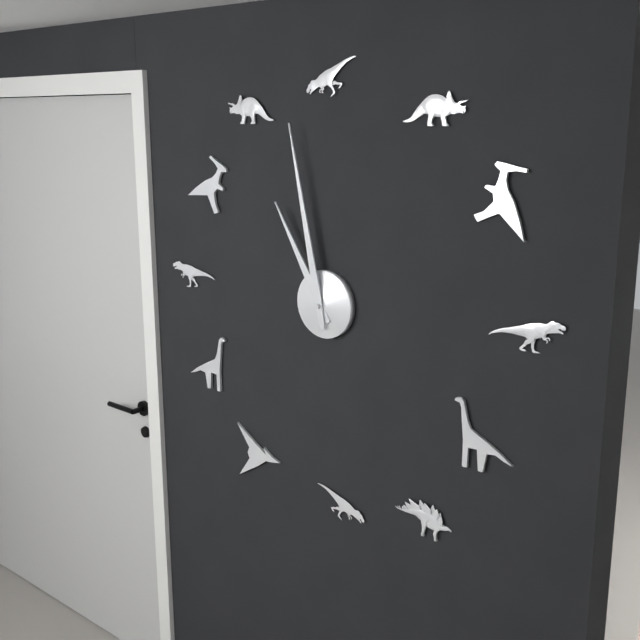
10.58
